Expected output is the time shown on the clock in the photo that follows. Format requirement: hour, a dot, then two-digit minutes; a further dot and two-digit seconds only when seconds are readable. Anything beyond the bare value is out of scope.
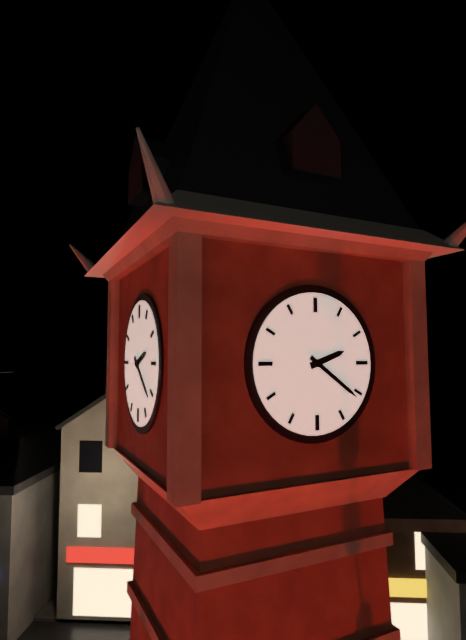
2.21
